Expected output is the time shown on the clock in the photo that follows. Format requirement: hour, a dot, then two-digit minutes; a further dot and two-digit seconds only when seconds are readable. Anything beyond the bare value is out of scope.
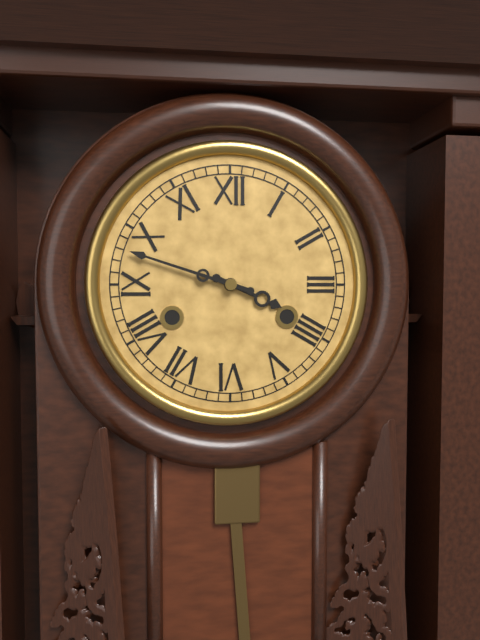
3.48
